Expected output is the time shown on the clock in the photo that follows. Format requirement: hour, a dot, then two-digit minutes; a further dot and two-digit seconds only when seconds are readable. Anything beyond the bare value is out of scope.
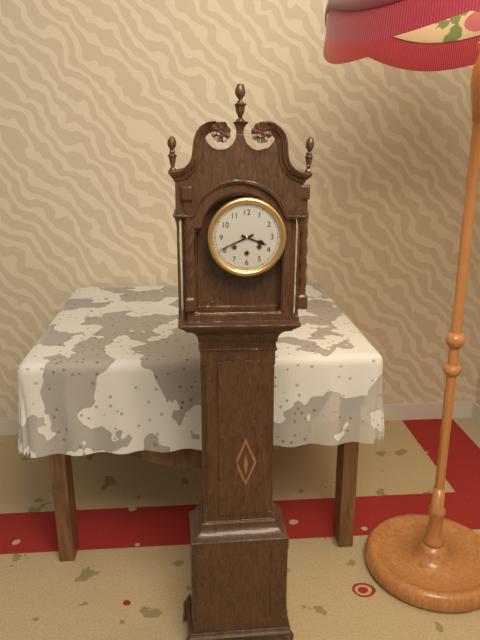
3.41
